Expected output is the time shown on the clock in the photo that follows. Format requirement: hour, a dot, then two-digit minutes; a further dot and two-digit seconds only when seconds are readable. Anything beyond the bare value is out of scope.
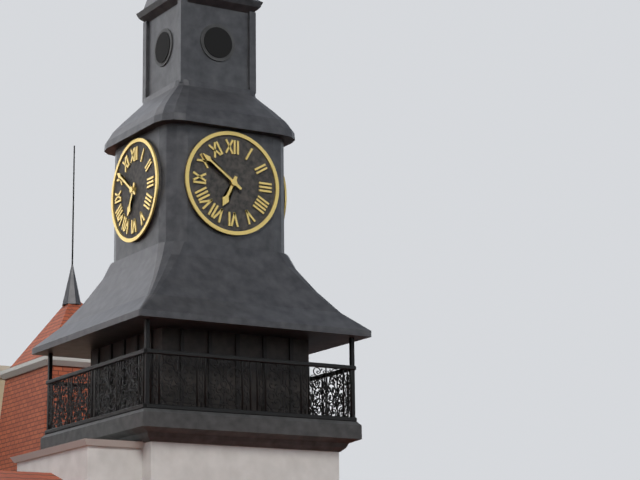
6.51
